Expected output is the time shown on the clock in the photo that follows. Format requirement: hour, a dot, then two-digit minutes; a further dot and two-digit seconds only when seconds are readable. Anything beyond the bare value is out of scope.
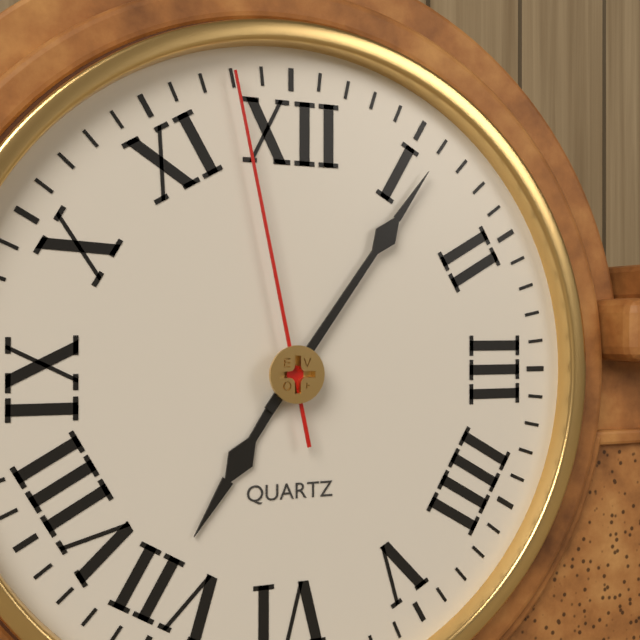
7.06.58
